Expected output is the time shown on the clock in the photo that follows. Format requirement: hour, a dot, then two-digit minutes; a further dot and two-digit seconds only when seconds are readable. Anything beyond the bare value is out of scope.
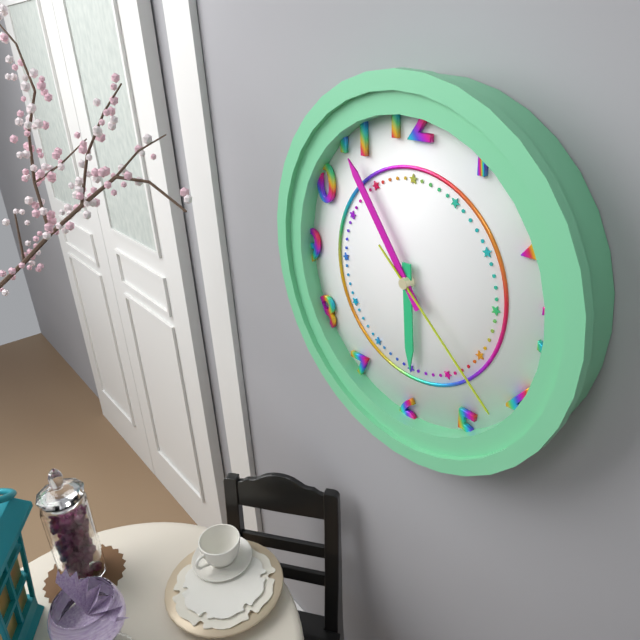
5.54.22
